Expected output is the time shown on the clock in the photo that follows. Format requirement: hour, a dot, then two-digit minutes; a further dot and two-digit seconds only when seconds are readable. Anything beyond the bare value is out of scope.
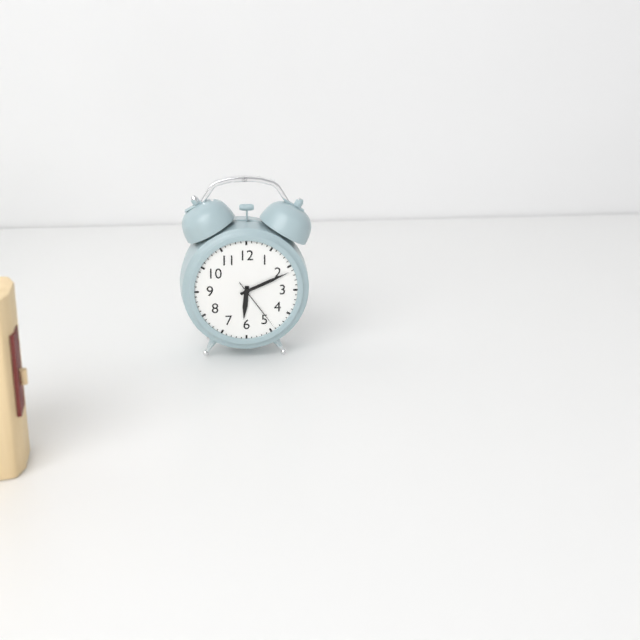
6.11.24
